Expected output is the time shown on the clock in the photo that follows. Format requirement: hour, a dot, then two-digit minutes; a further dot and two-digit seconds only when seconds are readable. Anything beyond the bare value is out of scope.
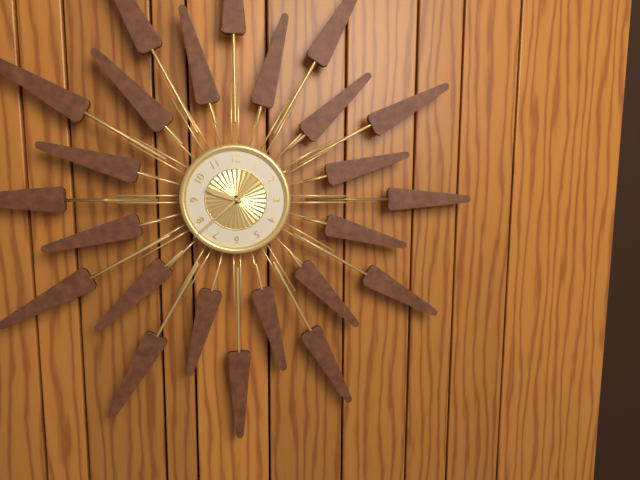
9.38
